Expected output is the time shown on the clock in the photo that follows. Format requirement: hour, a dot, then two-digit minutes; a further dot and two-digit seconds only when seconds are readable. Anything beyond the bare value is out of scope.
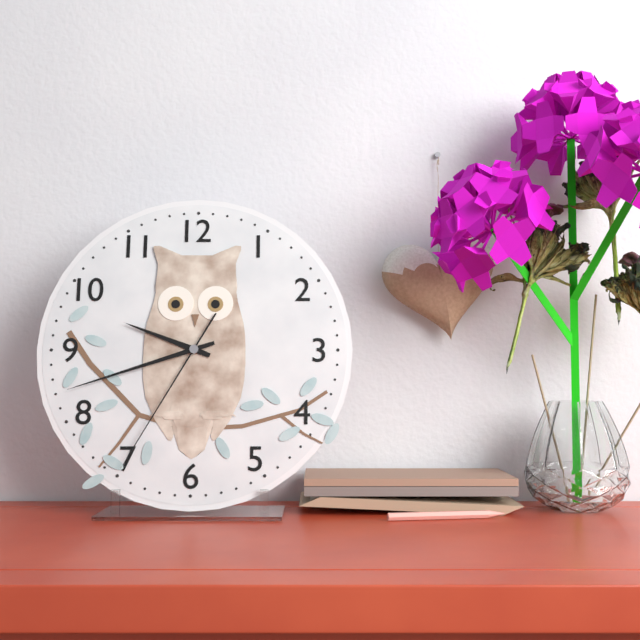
9.42.35
